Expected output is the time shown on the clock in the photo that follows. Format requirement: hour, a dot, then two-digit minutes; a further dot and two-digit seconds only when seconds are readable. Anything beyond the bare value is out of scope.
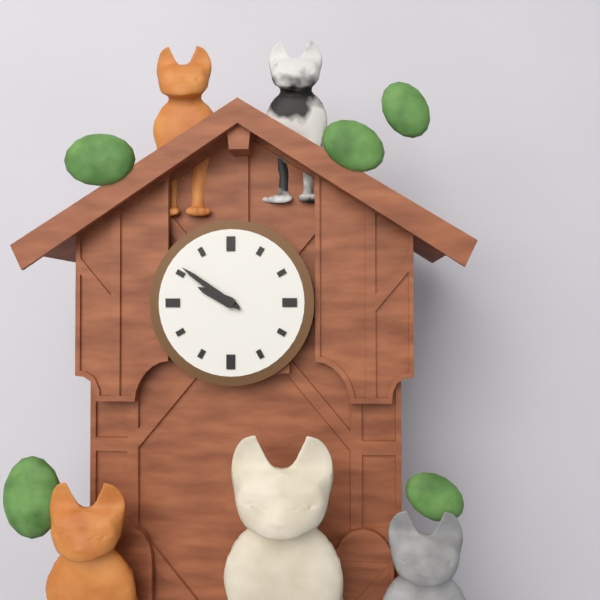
9.51
